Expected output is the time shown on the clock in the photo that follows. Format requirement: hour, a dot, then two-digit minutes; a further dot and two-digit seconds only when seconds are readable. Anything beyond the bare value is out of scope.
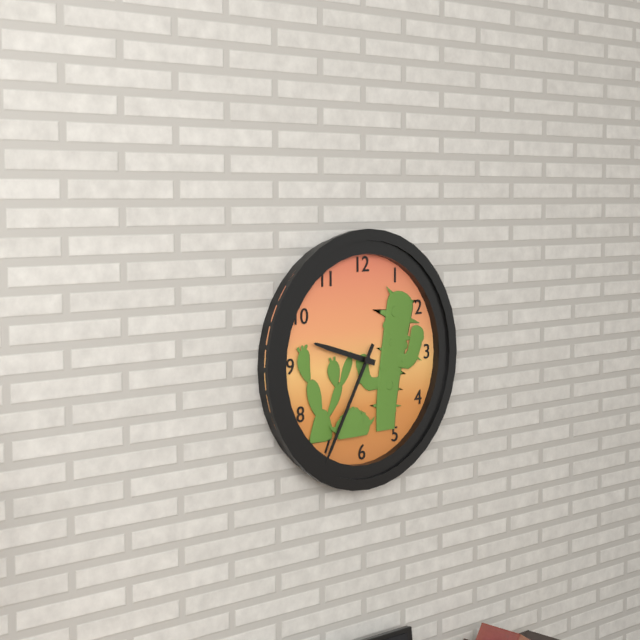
9.35
